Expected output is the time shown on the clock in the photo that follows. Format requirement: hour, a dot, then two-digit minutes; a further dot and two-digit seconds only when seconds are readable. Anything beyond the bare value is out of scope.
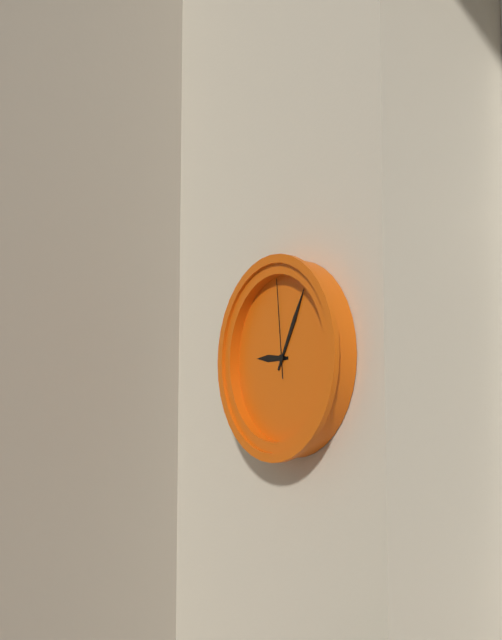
9.05.59
